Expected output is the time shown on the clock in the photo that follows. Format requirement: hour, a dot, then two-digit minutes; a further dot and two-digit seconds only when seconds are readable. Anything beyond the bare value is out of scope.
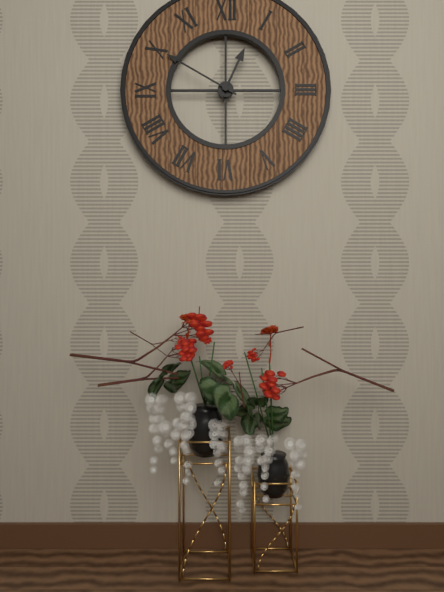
12.50
